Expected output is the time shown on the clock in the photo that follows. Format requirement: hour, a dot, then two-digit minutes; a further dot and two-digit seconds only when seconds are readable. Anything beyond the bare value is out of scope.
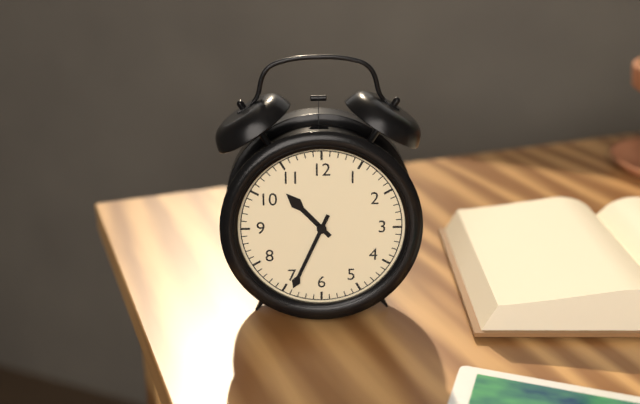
10.34
